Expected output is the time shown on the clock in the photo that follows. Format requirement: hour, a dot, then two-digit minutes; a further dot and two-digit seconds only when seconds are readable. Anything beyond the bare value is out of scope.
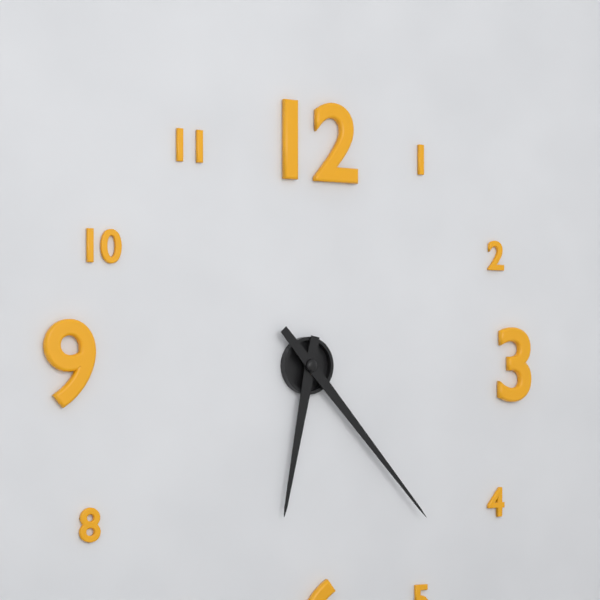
6.23
